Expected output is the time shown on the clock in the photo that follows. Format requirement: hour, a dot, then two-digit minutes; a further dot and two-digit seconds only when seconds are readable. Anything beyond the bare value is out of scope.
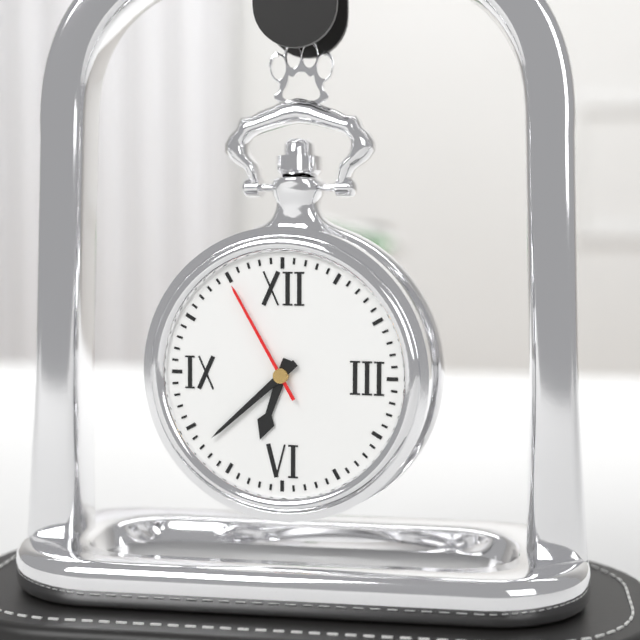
6.38.55
